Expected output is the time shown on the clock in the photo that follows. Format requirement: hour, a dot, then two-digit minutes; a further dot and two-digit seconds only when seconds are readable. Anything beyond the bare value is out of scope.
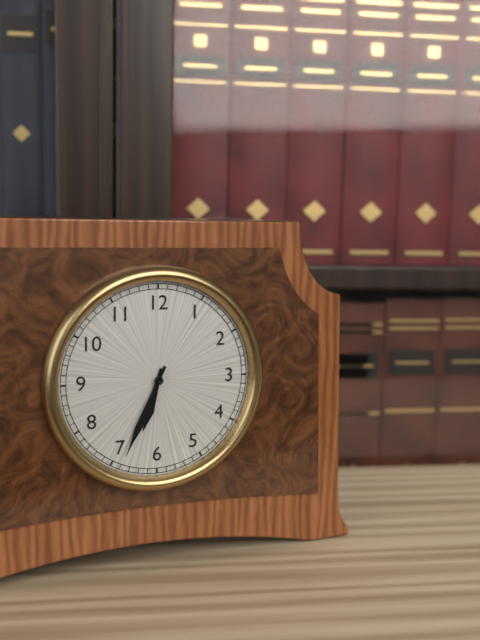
6.34
